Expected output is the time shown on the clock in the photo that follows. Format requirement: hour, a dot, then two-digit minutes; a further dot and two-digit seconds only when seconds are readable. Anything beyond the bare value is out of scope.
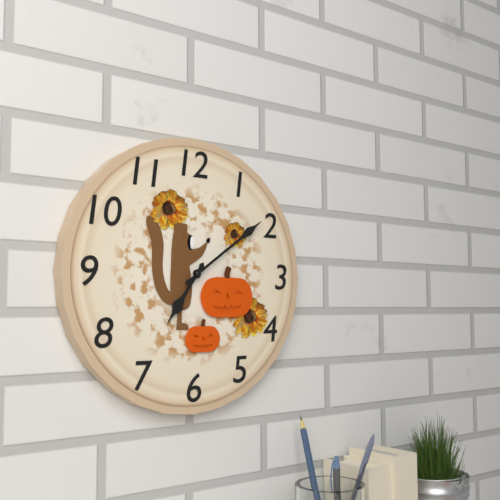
7.09
